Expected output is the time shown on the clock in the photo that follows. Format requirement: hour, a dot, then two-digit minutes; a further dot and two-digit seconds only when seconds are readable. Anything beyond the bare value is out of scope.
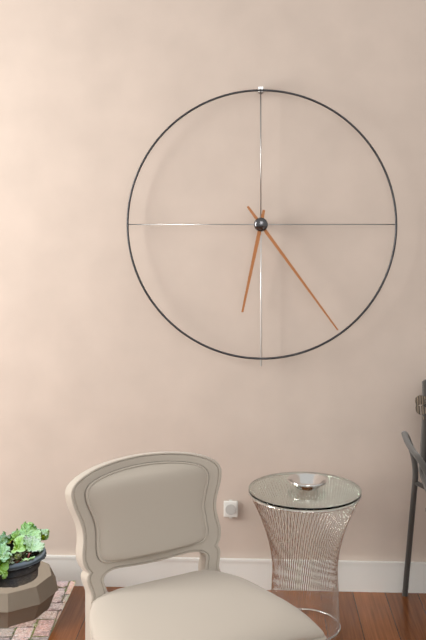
6.24
